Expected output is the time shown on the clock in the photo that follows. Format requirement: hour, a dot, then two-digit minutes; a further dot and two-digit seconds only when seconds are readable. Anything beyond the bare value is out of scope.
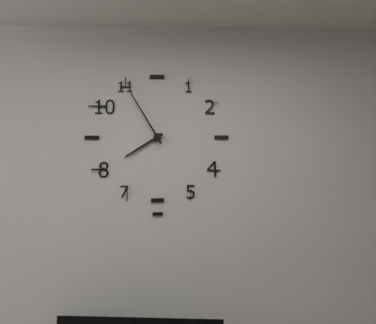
7.55
